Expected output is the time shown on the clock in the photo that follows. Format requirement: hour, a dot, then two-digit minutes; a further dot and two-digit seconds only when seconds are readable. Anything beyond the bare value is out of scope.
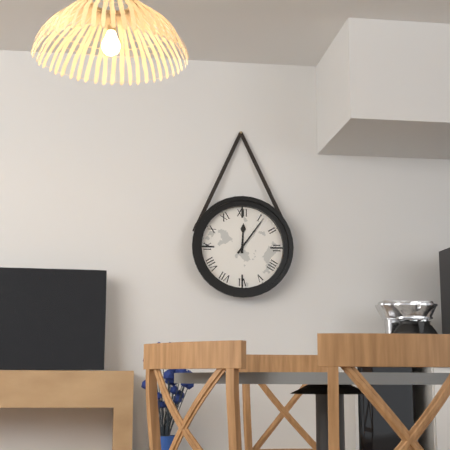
12.06
